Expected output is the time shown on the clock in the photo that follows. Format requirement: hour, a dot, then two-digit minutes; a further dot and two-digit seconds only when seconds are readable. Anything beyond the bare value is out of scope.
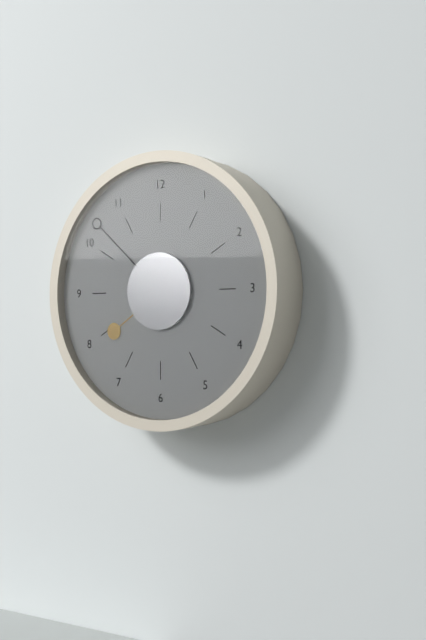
7.52
